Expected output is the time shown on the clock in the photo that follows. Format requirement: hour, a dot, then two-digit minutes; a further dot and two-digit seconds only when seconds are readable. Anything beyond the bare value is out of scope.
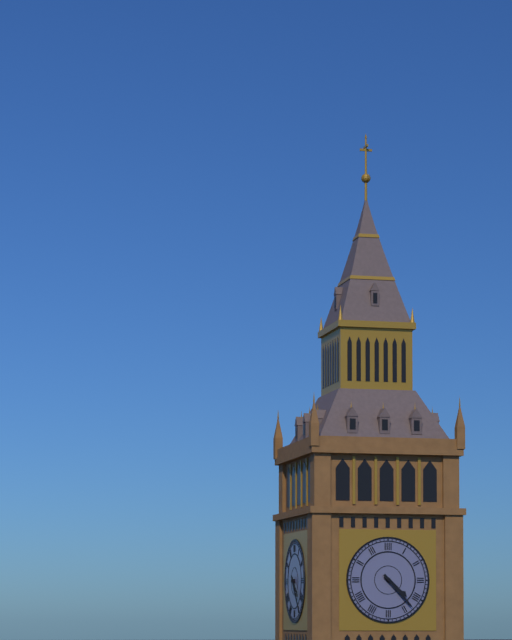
4.23
